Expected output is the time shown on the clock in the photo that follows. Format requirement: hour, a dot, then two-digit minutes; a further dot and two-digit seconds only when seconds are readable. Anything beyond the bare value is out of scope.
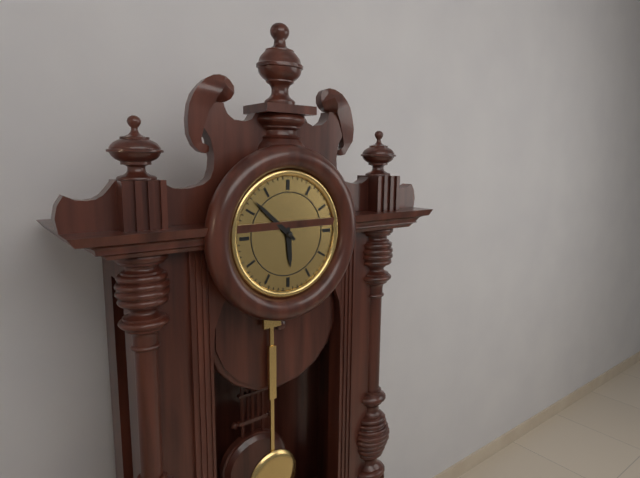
5.52
